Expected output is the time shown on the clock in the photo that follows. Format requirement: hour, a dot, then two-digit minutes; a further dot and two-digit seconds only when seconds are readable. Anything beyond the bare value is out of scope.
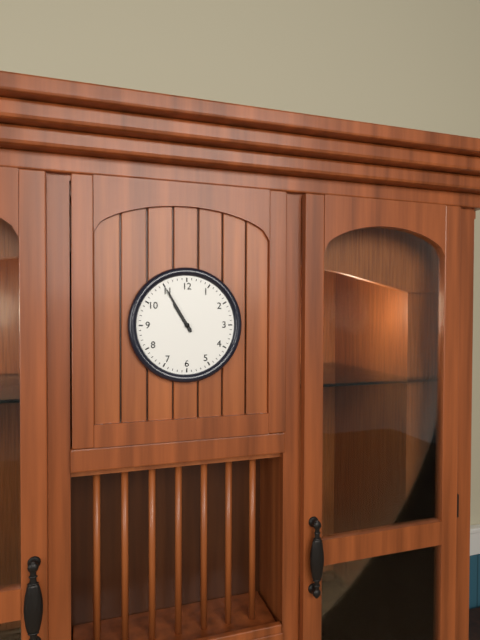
10.55
